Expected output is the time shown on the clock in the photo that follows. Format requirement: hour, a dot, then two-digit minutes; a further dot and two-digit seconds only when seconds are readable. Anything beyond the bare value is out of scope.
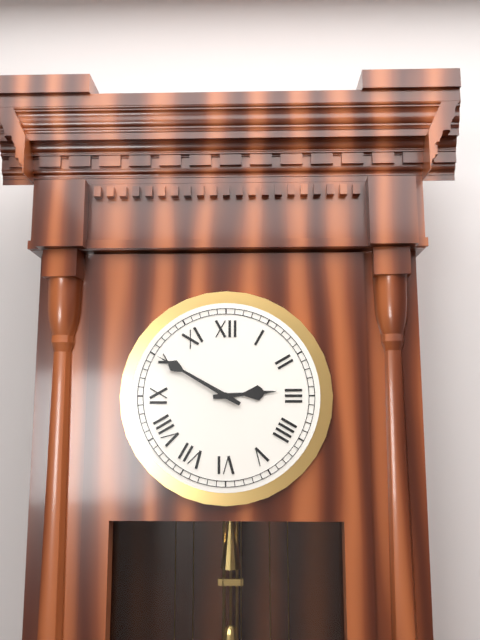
2.50
